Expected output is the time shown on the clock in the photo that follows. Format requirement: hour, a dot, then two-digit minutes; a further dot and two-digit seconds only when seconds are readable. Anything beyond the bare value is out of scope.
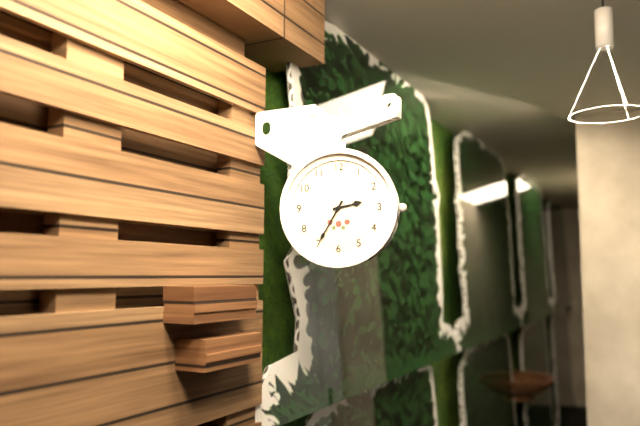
2.35
